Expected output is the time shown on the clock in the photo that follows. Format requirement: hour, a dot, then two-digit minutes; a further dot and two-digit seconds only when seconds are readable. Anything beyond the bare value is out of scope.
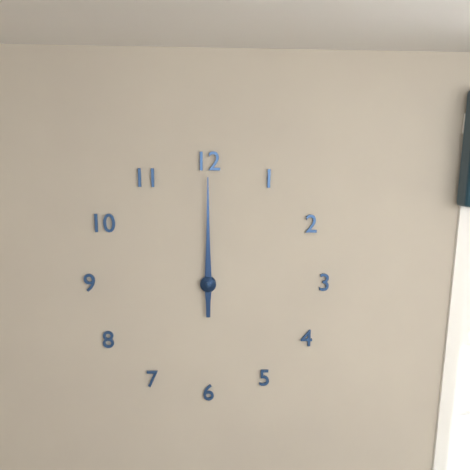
12.00
